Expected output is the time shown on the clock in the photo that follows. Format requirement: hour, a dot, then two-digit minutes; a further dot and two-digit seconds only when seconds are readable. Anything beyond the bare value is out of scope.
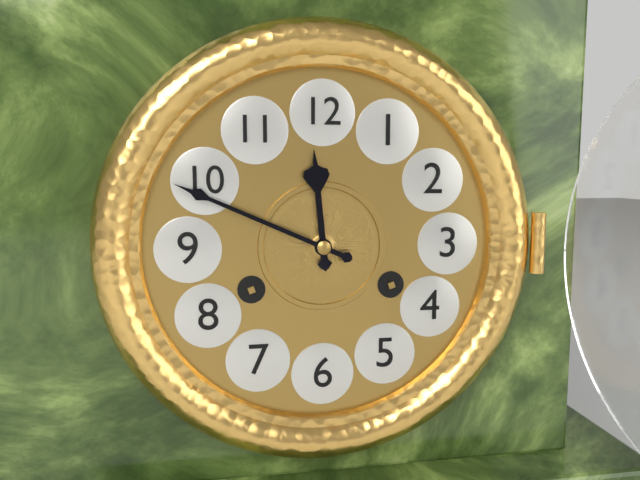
11.49
